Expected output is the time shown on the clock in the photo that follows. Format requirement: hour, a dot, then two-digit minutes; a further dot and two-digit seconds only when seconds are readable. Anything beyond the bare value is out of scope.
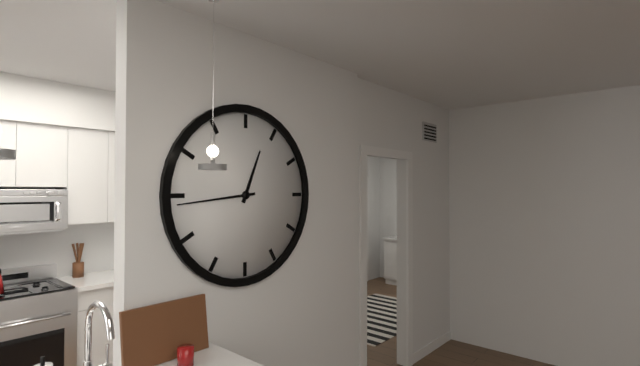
12.44
